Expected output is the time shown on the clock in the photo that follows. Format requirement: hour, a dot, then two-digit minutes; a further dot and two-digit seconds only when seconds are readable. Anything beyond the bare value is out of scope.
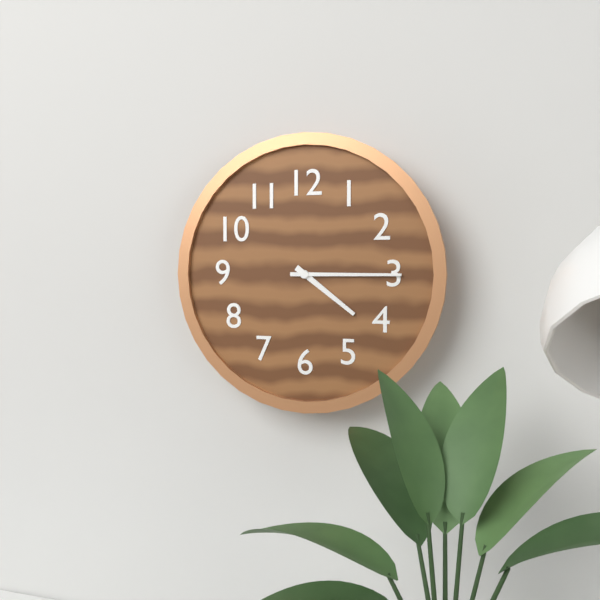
4.15
